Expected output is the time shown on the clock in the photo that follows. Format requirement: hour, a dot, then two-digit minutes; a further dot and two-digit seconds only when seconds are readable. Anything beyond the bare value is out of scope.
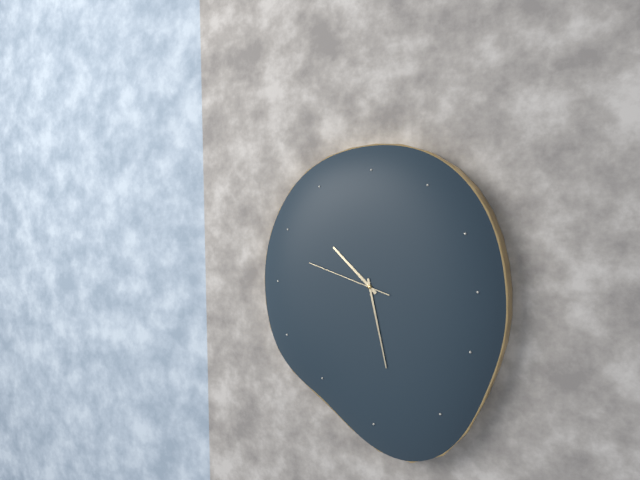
10.28.48
